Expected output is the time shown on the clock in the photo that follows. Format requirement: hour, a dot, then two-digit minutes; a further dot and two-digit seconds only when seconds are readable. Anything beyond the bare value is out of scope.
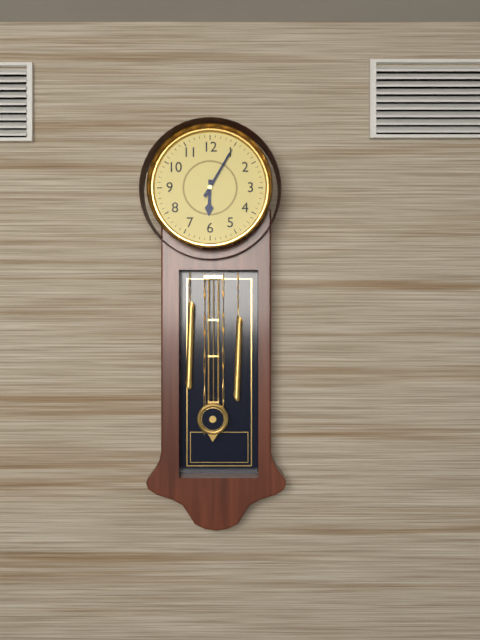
6.05
